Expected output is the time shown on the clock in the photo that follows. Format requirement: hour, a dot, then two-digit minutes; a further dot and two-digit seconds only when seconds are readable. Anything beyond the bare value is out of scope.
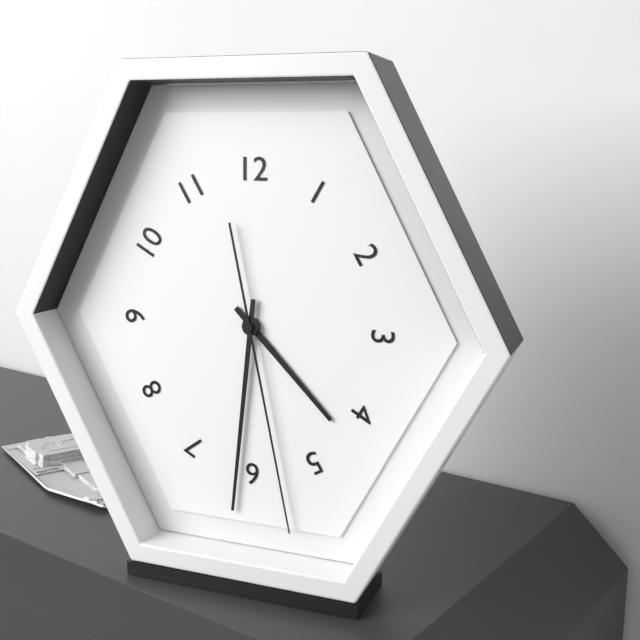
4.31.28
